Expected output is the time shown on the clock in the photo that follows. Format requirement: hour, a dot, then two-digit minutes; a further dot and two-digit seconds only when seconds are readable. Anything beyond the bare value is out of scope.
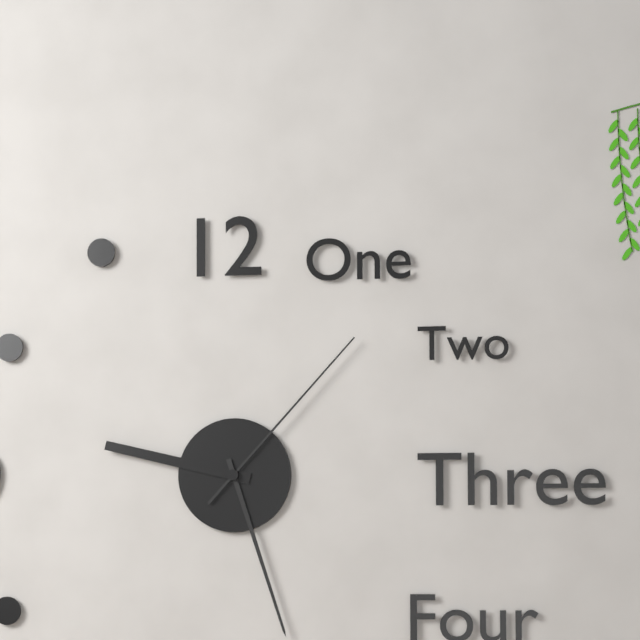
9.27.07
